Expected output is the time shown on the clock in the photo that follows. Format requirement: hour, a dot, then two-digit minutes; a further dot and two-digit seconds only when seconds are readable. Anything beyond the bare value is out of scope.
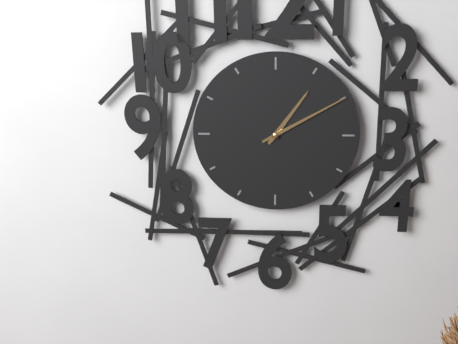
1.10
